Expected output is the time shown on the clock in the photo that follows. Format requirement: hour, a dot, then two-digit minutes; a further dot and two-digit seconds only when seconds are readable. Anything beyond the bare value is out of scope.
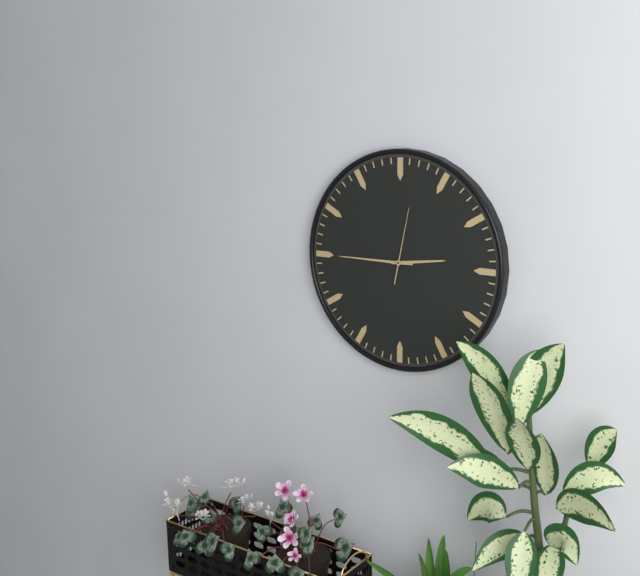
2.45.02
